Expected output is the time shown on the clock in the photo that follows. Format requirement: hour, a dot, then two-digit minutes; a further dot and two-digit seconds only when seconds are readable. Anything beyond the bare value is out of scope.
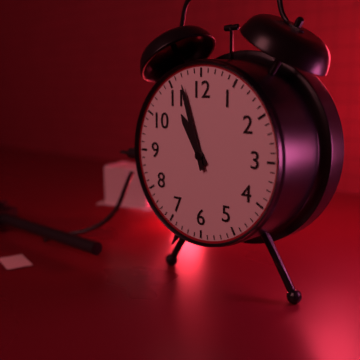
10.57
